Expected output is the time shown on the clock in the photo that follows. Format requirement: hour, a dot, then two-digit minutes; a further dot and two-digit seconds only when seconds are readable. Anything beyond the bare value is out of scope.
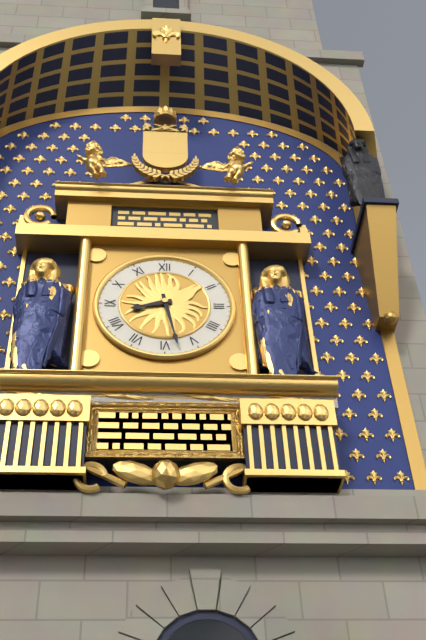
8.28
